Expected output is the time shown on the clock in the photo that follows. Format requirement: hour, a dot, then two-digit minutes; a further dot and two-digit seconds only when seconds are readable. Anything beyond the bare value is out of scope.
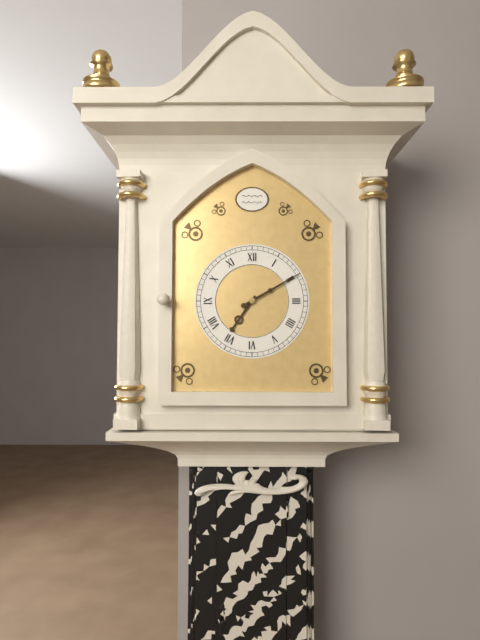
7.10
